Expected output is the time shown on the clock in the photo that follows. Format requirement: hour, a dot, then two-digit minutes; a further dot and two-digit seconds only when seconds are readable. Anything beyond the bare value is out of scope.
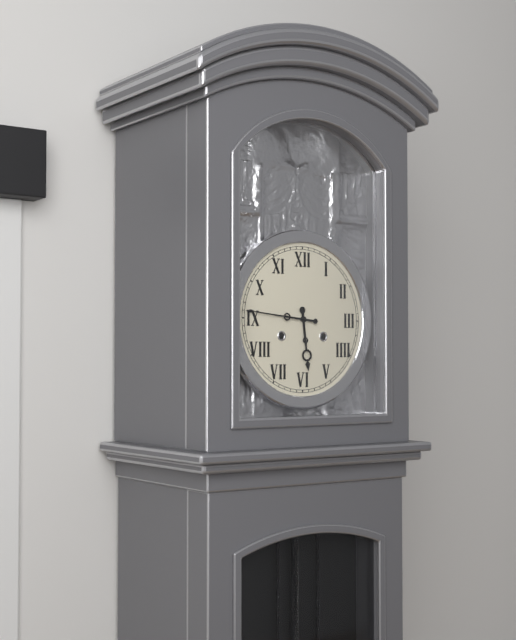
5.46
